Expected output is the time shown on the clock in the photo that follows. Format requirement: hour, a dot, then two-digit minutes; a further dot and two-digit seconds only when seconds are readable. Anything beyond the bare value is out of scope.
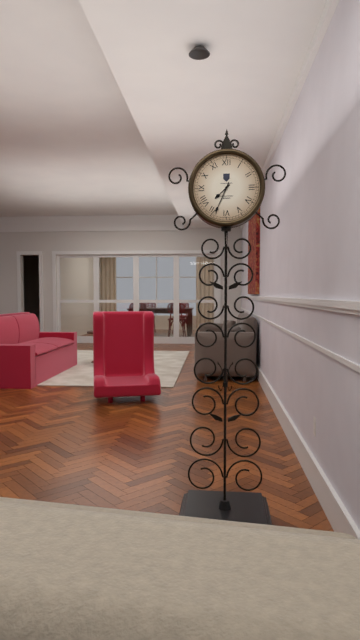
7.34
